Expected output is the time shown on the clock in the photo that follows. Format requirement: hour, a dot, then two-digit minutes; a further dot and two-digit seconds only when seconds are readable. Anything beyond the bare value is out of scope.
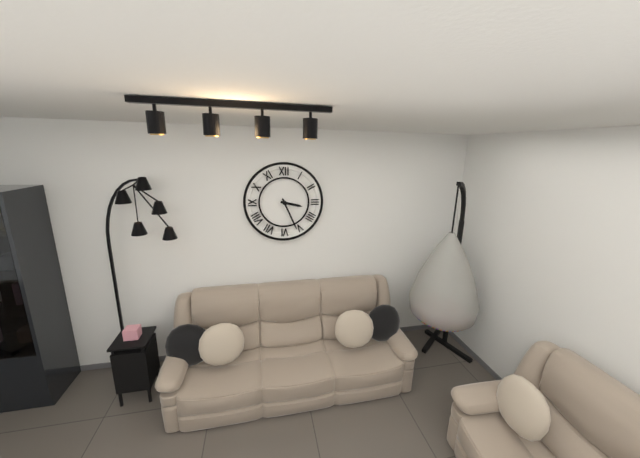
3.26
